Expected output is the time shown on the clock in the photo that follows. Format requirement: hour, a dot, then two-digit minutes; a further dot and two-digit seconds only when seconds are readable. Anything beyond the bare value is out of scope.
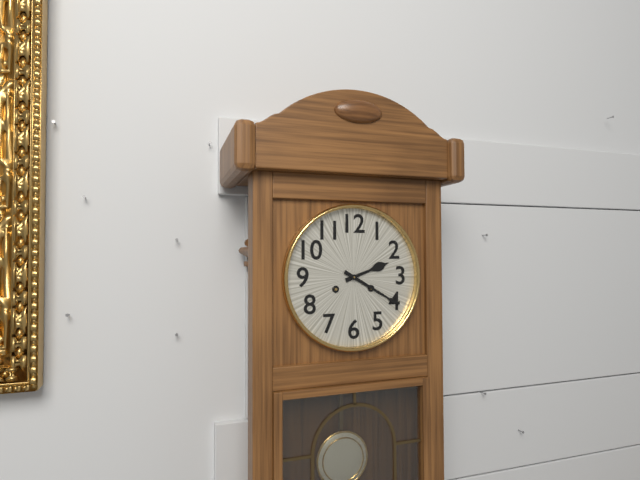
2.20
